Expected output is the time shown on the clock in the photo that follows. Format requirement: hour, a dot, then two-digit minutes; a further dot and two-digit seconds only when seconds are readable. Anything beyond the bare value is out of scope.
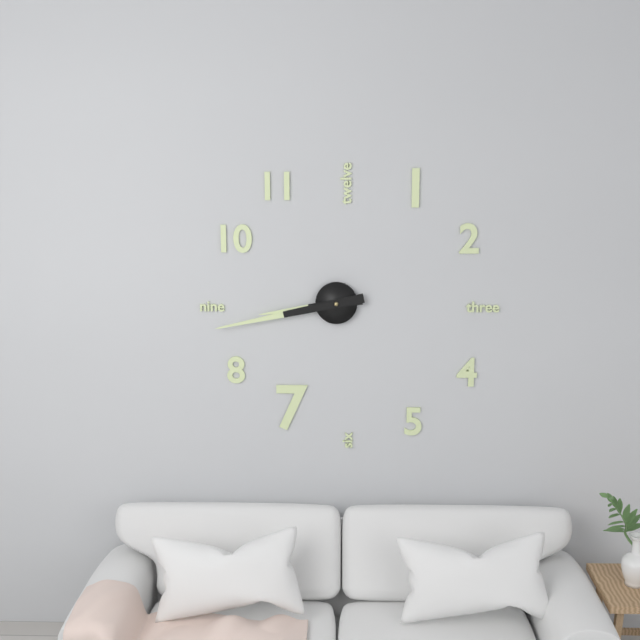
8.43
